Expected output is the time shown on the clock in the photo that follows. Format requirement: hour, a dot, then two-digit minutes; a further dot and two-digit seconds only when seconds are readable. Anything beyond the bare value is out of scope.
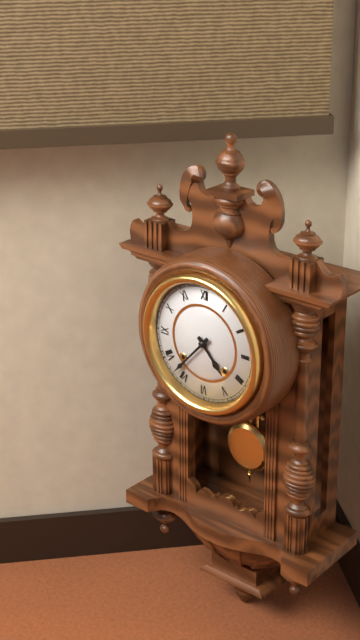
4.37
